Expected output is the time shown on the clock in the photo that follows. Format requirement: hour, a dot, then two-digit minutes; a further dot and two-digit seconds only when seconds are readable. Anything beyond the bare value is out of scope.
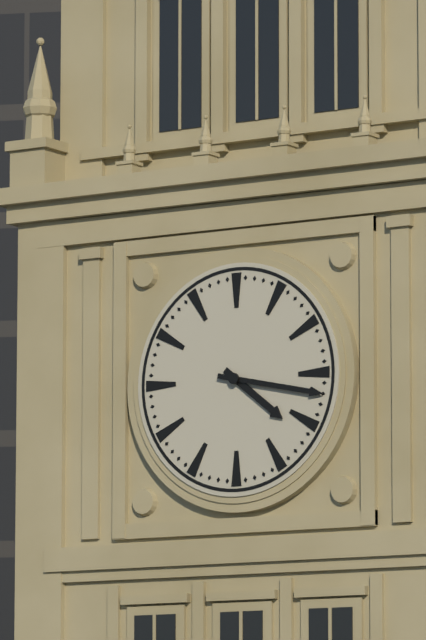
4.17
